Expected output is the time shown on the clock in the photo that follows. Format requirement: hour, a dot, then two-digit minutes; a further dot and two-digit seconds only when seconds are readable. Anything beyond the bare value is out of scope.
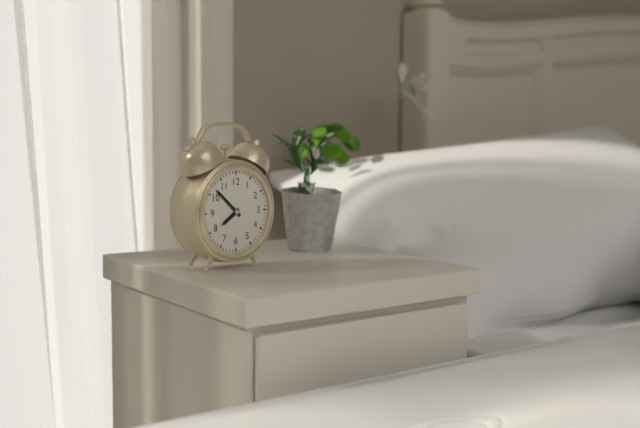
7.52
